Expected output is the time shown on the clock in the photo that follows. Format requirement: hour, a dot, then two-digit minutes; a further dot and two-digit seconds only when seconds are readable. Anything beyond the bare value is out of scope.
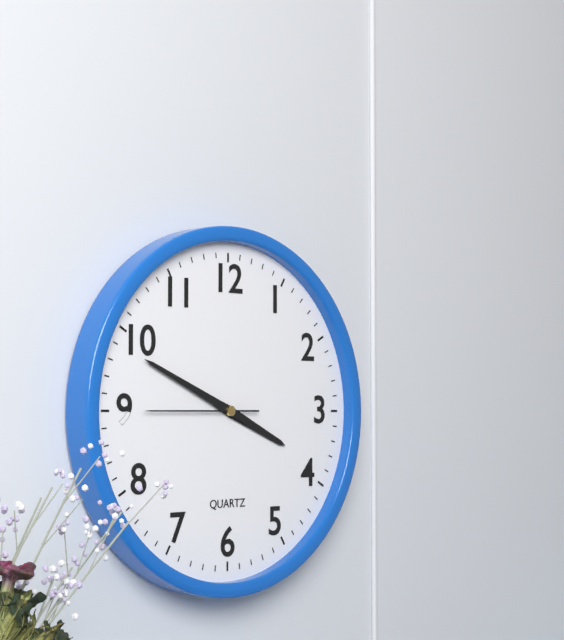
3.49.45
